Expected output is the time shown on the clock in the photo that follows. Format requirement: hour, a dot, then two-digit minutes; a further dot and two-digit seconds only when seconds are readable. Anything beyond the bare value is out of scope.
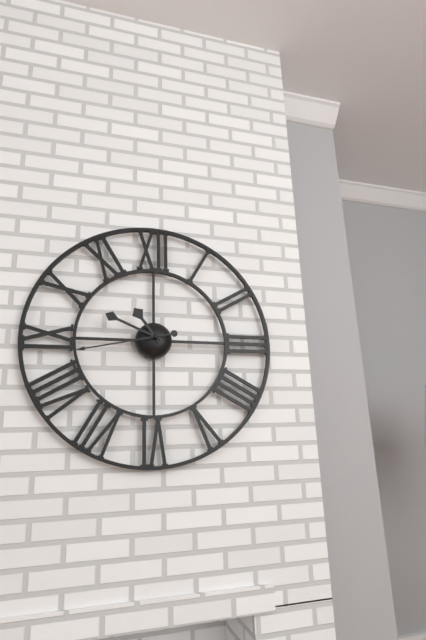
10.49.43
